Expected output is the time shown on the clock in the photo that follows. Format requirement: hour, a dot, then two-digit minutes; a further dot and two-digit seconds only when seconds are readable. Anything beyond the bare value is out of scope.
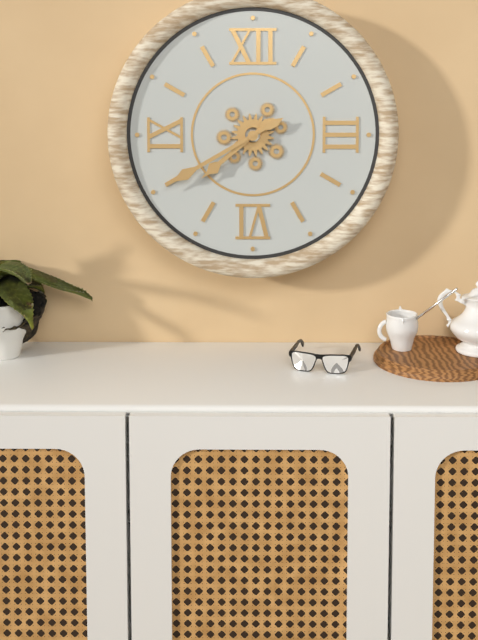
7.40
